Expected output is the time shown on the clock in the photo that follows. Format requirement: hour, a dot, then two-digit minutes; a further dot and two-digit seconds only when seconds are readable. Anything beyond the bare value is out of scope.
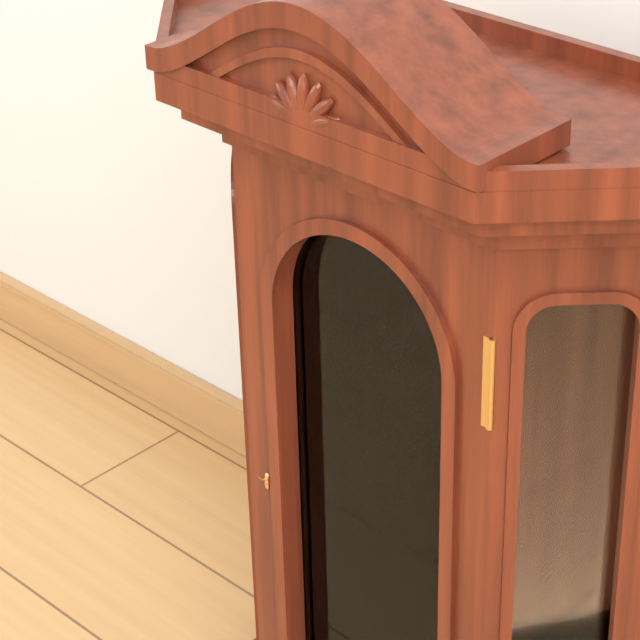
5.21
